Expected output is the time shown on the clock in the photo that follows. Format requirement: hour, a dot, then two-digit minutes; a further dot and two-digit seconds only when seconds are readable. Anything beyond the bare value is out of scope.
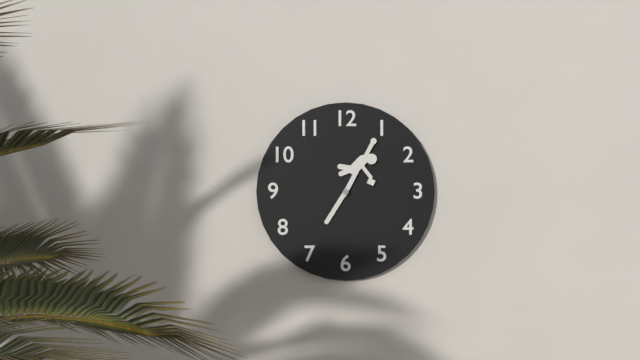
7.04
